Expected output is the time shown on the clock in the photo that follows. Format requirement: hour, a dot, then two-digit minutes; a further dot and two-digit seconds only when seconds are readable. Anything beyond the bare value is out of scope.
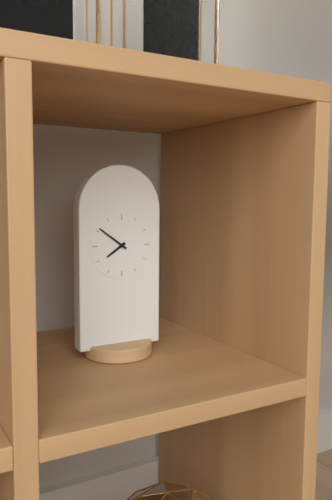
7.51
